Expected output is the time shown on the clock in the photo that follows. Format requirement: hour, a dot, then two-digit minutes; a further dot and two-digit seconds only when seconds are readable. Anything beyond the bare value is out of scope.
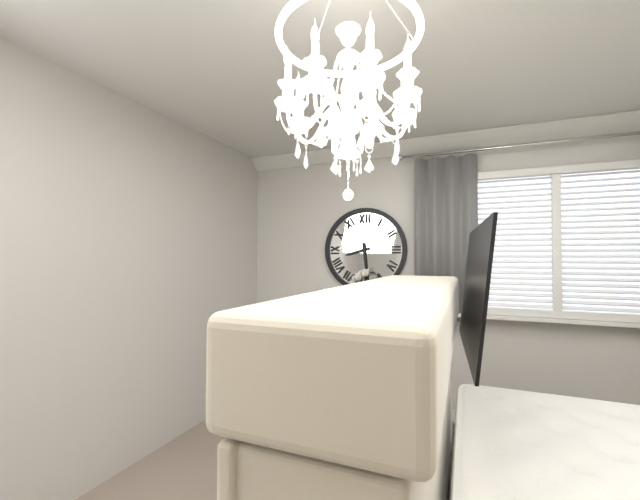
8.29
